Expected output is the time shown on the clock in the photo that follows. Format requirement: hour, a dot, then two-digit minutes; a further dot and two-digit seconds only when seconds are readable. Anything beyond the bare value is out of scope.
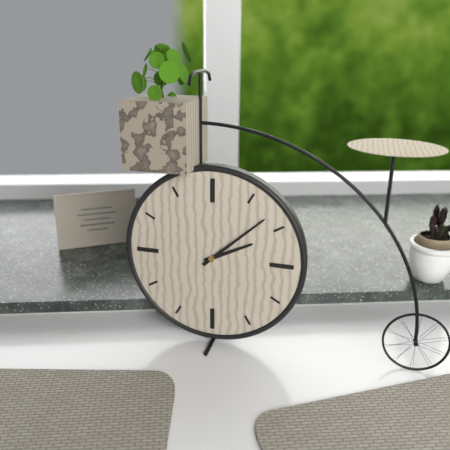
2.08
